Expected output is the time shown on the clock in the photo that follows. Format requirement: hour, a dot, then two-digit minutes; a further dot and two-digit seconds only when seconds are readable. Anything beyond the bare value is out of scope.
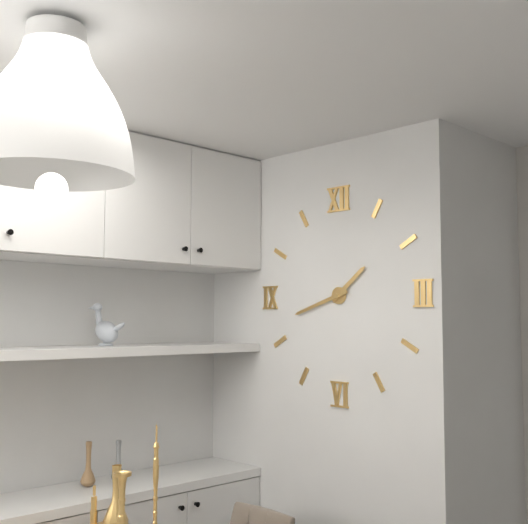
1.42
